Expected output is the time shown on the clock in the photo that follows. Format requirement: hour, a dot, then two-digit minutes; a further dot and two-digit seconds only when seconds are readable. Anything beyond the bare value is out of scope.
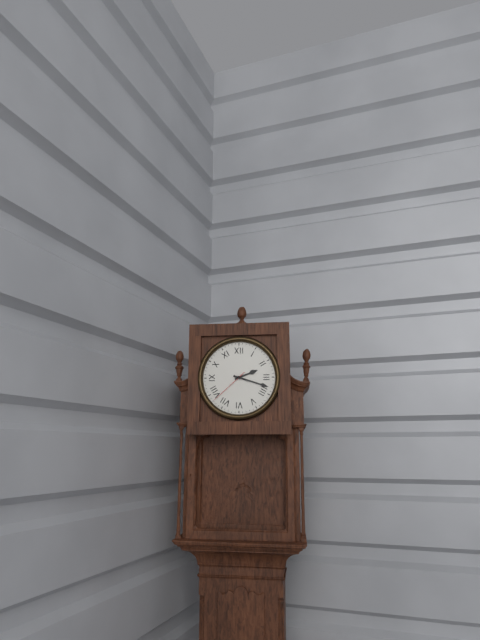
2.18
